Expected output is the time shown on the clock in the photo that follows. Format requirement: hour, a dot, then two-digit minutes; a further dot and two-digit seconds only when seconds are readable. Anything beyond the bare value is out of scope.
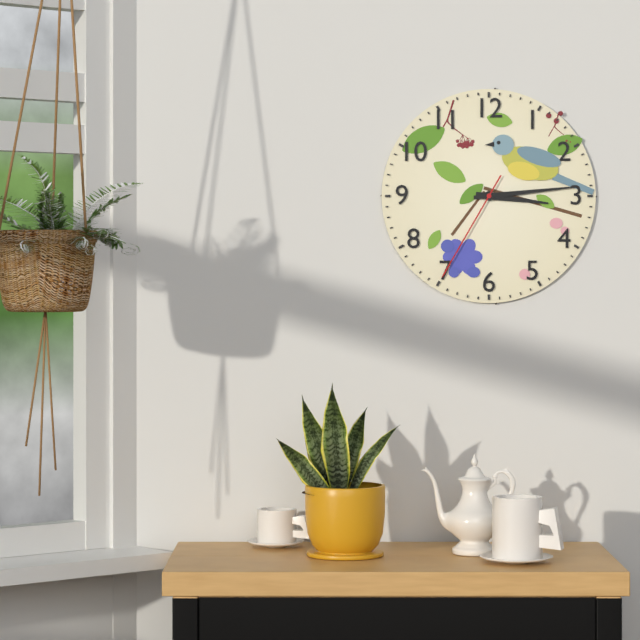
3.14.35
